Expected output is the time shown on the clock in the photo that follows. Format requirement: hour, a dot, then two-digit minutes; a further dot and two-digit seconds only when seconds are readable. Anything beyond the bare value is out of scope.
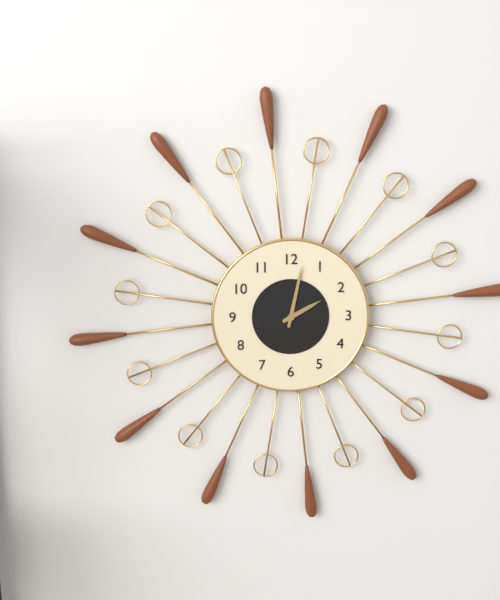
2.02
